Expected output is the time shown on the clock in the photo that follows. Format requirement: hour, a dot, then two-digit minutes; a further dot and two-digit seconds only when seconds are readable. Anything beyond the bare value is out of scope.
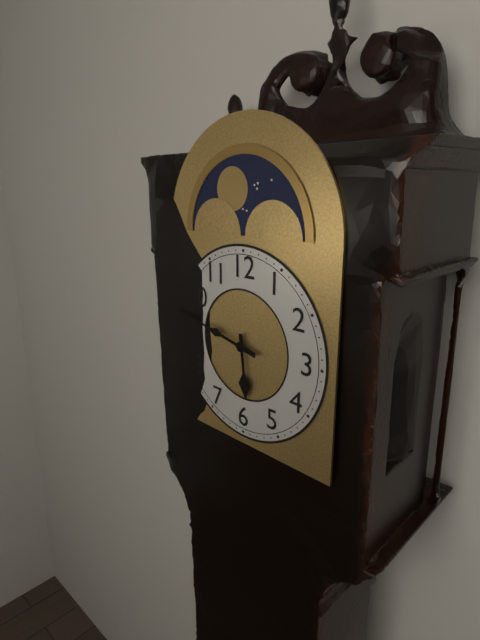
5.47
